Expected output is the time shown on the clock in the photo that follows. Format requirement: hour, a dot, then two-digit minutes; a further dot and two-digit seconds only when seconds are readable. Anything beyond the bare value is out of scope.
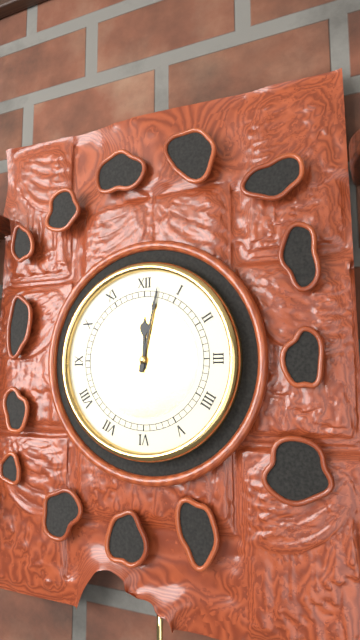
12.02
